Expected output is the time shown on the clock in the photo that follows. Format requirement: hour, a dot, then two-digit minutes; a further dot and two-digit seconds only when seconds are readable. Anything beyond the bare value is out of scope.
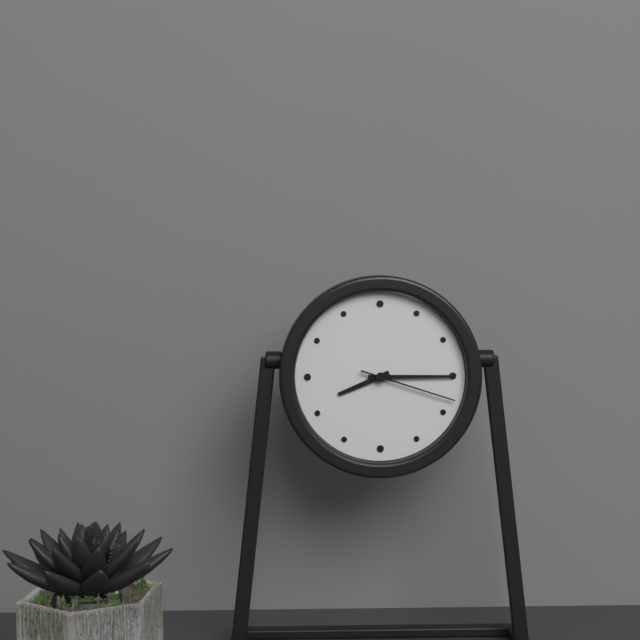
8.15.18
